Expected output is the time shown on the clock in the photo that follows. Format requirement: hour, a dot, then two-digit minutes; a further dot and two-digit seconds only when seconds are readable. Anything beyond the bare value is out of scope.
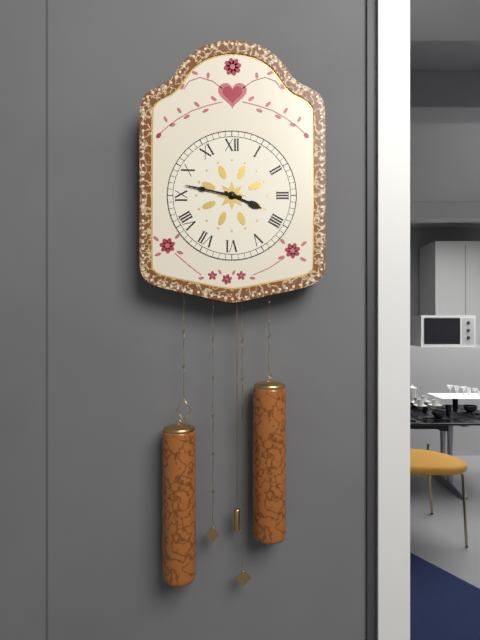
3.47
